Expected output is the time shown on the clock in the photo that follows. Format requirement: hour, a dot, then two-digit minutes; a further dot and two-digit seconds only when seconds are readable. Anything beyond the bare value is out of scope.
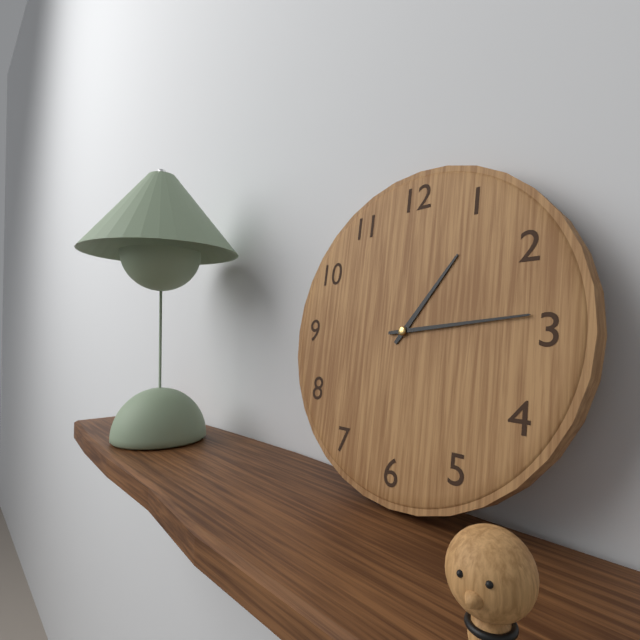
1.14
